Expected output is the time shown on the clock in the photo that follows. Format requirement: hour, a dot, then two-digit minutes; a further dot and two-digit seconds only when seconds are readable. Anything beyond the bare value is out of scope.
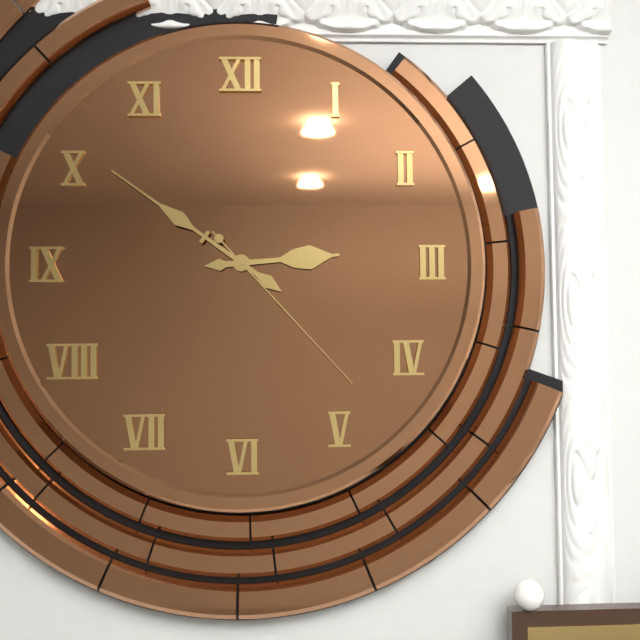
2.51.23
